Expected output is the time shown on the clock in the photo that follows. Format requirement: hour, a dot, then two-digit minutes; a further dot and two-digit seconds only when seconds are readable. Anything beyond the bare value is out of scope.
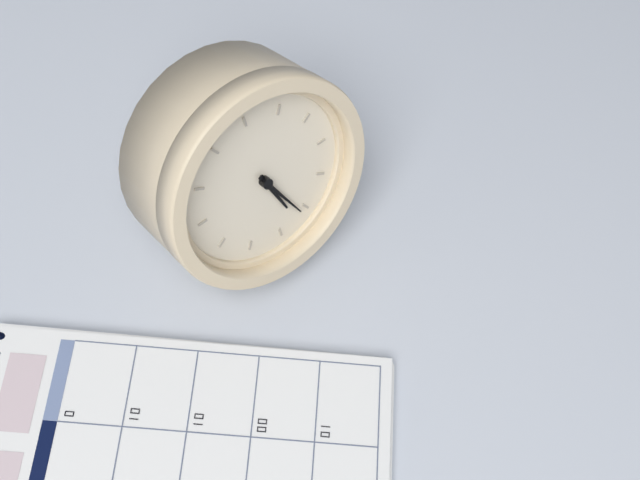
5.26
